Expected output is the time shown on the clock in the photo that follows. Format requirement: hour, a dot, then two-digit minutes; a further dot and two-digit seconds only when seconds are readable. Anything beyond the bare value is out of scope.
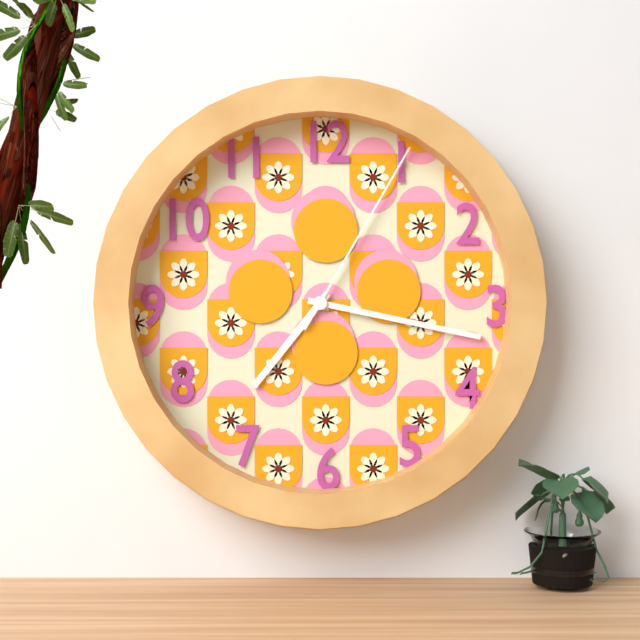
7.17.05
